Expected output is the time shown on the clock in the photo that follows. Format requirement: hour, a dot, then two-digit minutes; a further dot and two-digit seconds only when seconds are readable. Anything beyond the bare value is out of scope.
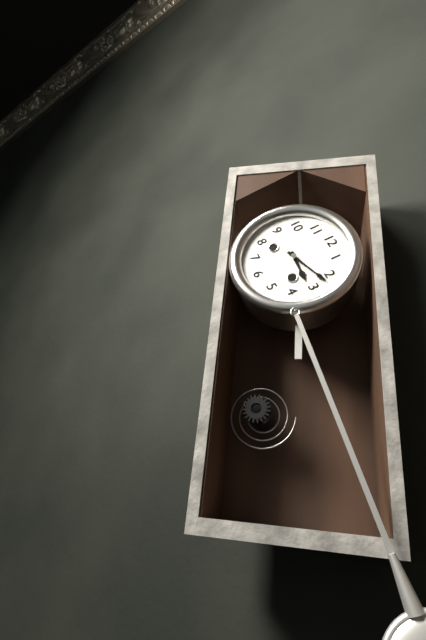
3.12
